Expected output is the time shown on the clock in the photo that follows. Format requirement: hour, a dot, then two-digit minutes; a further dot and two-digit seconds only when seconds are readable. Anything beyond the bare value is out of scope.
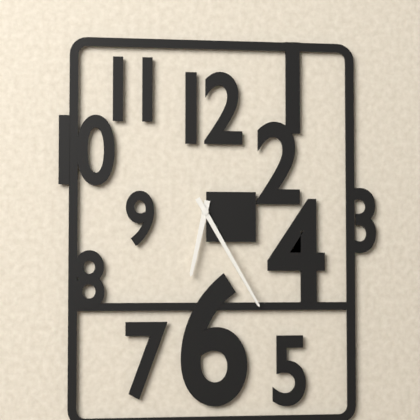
6.25
